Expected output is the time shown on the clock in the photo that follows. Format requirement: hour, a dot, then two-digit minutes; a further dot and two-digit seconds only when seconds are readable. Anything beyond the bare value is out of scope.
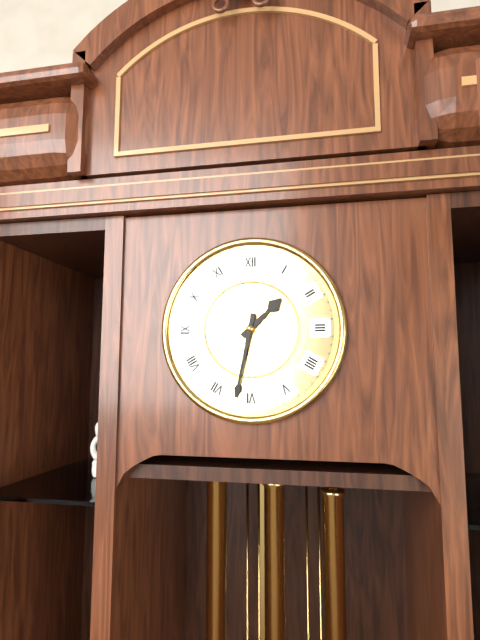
1.32
